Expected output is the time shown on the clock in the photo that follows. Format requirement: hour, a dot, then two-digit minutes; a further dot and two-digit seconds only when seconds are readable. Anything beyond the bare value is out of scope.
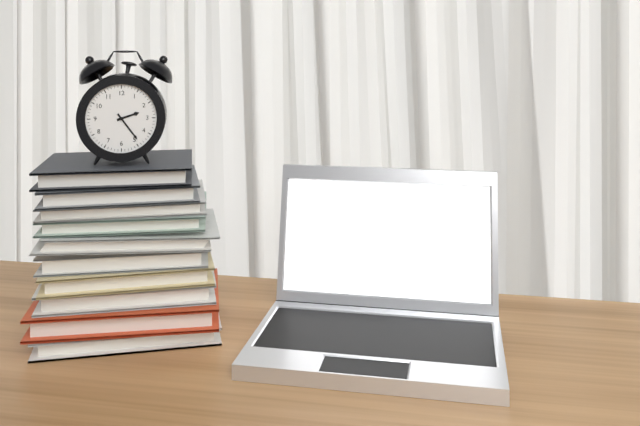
2.24
